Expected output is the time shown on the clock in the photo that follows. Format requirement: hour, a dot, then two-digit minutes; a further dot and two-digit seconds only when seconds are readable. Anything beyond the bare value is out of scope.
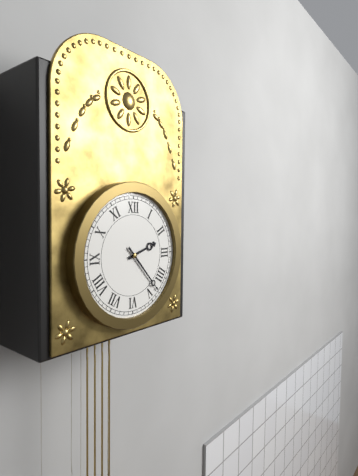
2.23
